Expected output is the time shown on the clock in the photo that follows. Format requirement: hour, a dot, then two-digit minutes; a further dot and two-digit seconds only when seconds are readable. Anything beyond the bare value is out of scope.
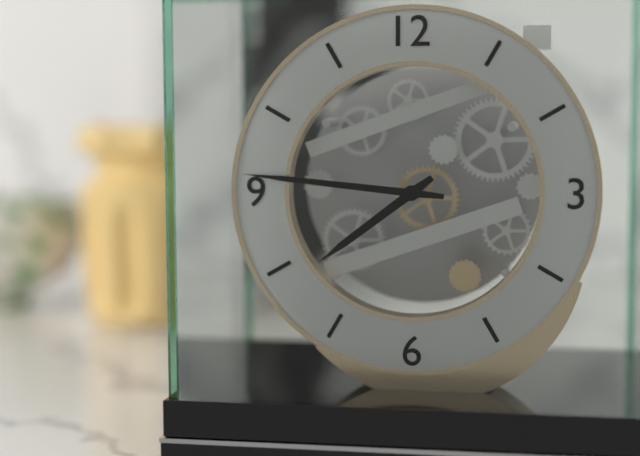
7.46
